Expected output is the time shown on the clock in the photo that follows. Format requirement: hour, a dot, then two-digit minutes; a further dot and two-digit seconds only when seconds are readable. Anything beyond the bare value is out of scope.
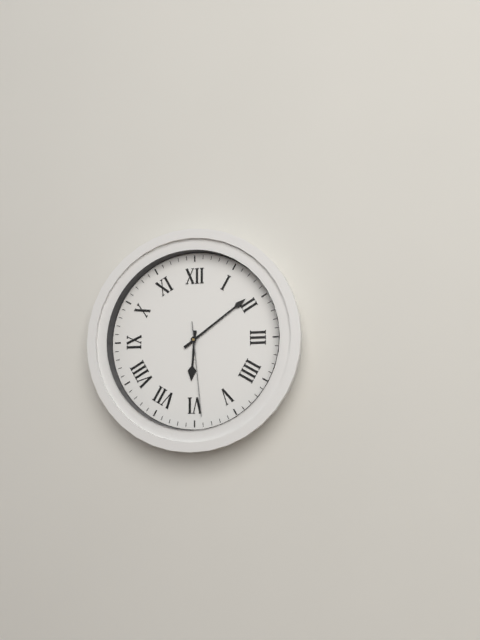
6.09.29
